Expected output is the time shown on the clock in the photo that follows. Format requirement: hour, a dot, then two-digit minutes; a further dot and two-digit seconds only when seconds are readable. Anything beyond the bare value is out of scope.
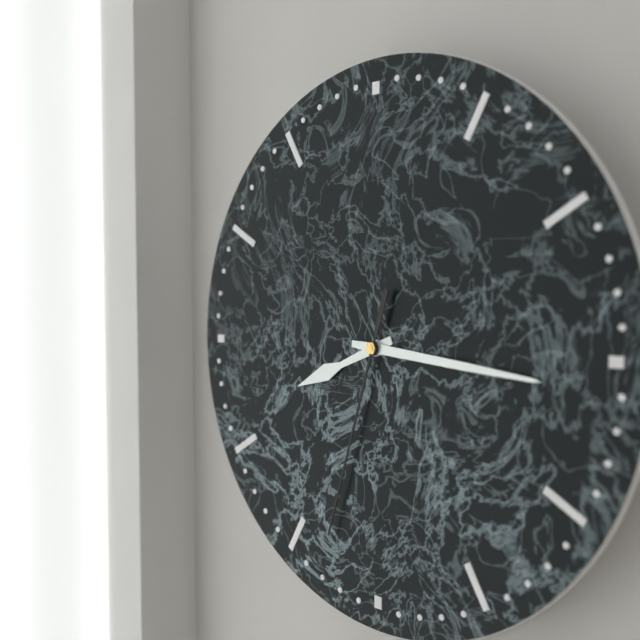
8.16.33
